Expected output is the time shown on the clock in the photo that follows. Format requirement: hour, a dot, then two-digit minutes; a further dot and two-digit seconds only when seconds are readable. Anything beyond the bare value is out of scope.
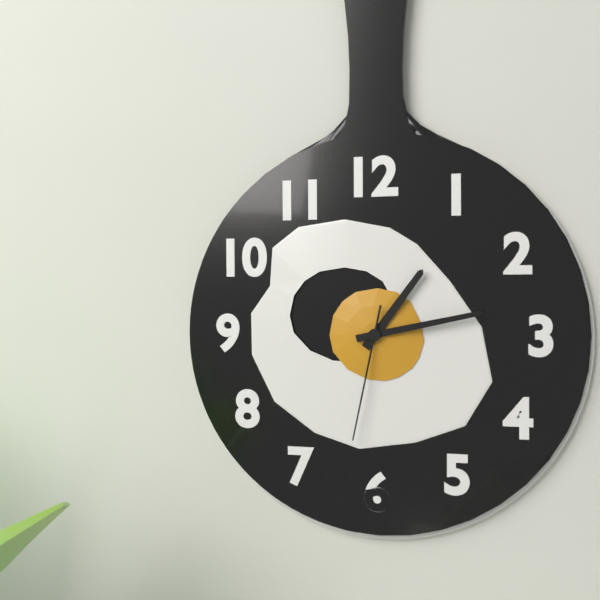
1.13.32
